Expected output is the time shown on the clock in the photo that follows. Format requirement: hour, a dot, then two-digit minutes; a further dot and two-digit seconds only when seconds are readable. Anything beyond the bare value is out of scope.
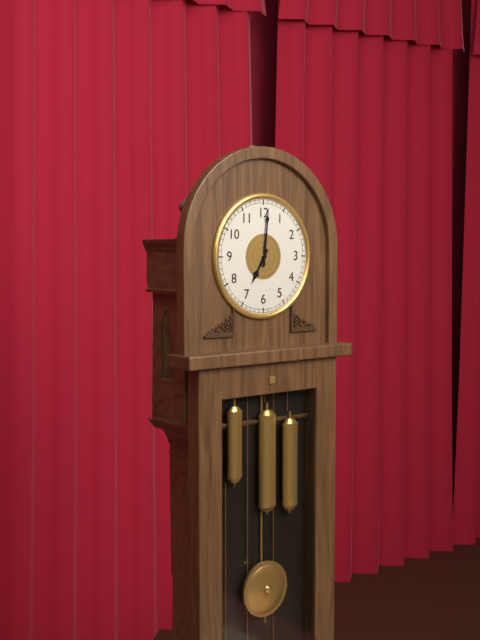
7.01
